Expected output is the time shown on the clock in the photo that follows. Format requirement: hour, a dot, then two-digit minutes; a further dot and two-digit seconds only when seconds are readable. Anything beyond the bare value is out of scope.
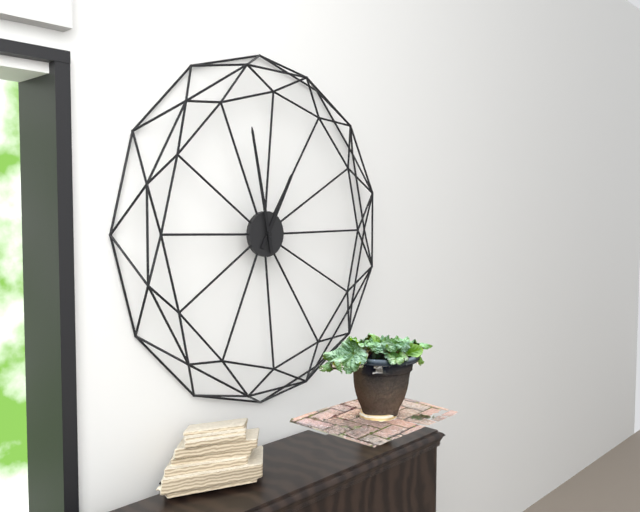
12.58
